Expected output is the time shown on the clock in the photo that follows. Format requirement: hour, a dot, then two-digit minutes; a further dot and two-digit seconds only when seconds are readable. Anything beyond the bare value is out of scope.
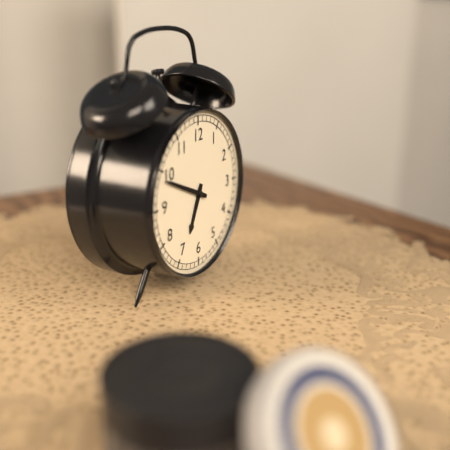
6.49
